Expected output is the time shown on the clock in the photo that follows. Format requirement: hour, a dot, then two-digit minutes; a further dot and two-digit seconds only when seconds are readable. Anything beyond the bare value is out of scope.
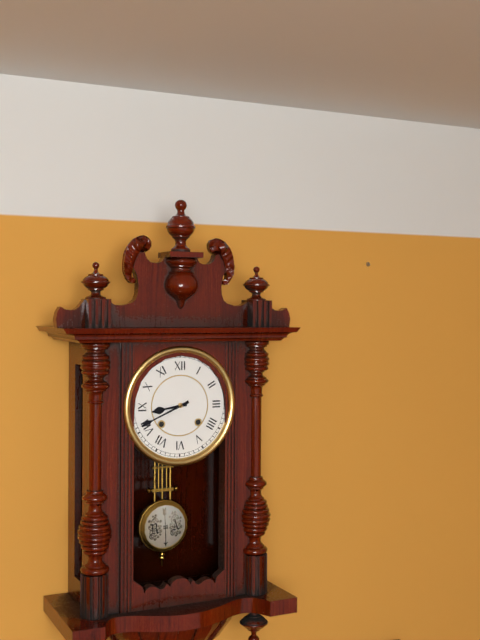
8.41
